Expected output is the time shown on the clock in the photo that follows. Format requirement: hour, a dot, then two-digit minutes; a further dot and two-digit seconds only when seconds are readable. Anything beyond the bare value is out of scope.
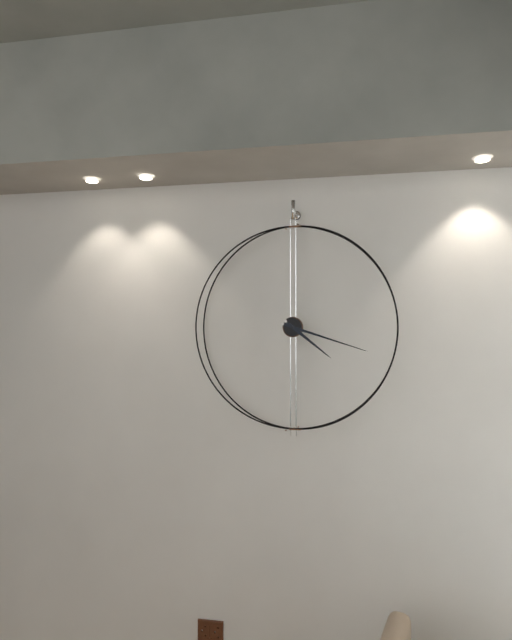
4.18
